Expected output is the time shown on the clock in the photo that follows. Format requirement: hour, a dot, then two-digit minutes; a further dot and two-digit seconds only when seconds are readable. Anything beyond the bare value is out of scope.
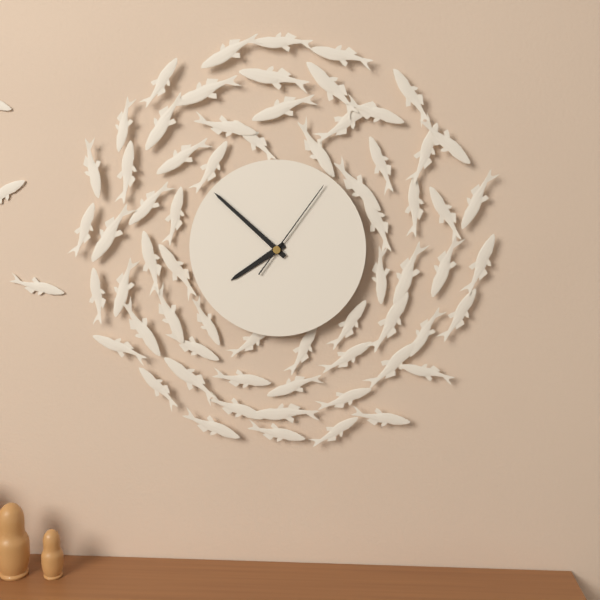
7.52.06
